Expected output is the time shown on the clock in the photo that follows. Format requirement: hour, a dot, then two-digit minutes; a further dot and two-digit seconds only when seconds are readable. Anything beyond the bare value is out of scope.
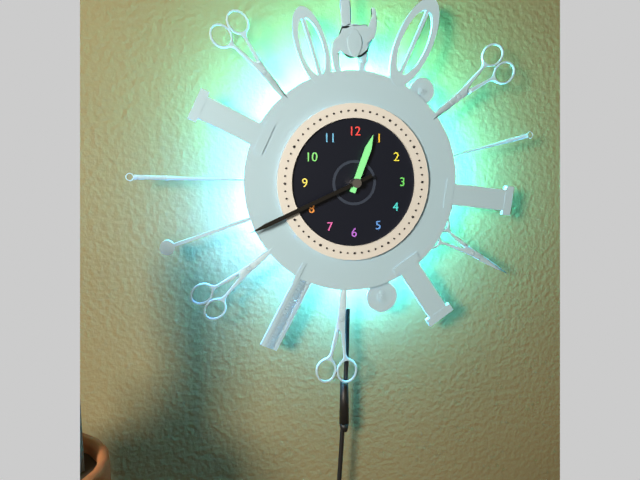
12.41
